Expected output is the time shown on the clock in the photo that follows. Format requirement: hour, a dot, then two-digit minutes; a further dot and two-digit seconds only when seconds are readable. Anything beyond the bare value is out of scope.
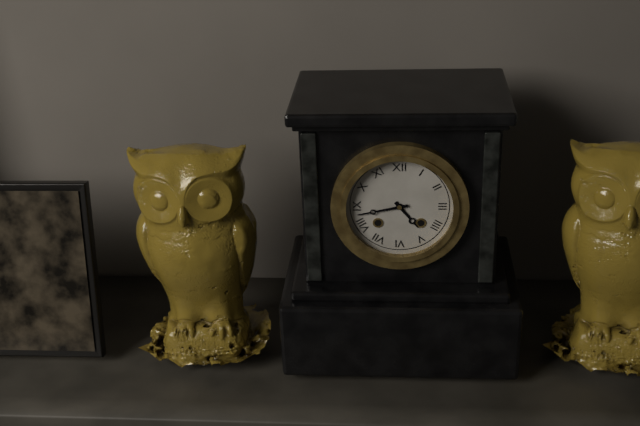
4.43
